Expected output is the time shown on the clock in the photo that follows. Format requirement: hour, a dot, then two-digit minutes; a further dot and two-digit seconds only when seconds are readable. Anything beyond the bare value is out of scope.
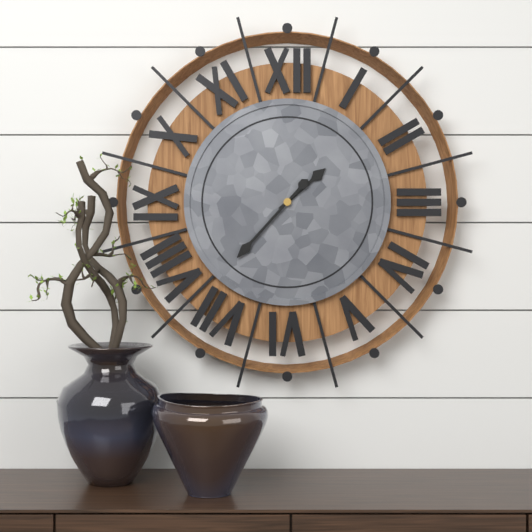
1.37
